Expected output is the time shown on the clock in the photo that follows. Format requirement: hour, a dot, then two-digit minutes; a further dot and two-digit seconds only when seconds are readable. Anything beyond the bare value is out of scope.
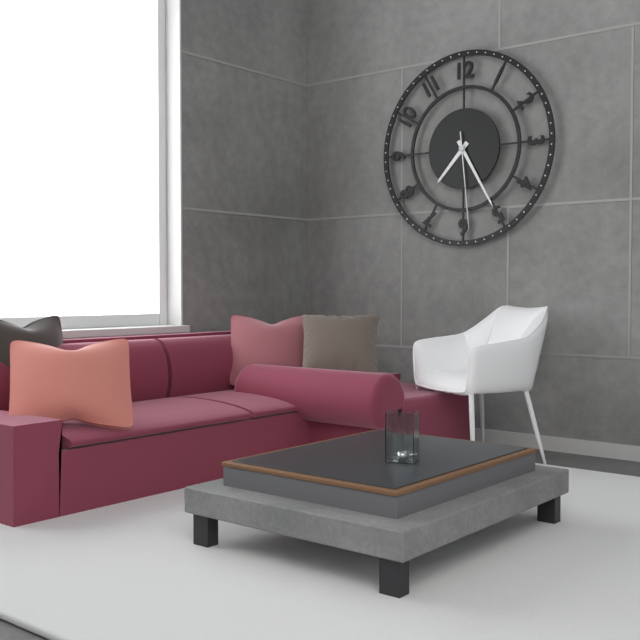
7.25.29
